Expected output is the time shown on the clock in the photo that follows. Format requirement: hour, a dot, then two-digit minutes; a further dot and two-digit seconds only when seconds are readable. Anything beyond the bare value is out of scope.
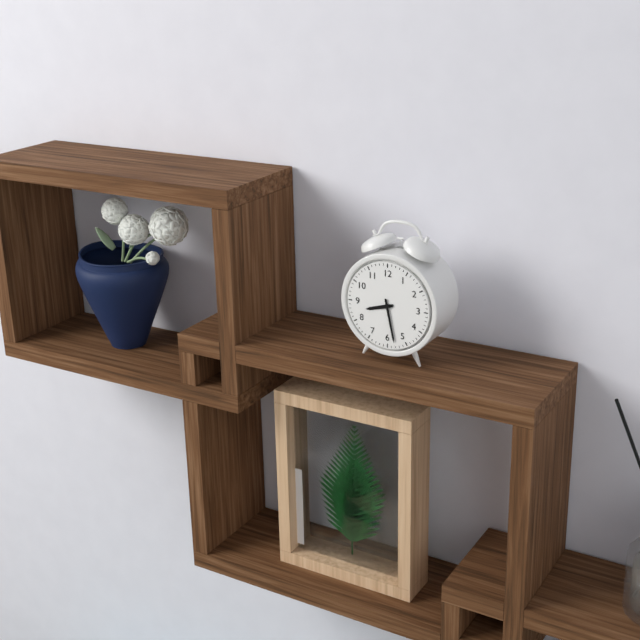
8.28
